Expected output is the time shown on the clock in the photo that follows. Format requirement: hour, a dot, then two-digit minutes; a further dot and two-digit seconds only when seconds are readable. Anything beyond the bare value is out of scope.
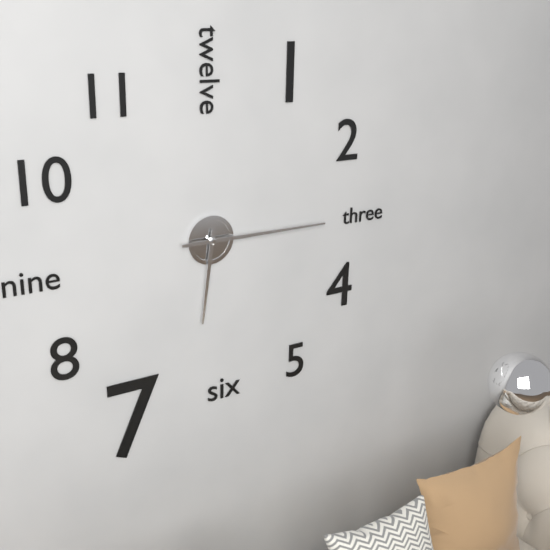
6.15
